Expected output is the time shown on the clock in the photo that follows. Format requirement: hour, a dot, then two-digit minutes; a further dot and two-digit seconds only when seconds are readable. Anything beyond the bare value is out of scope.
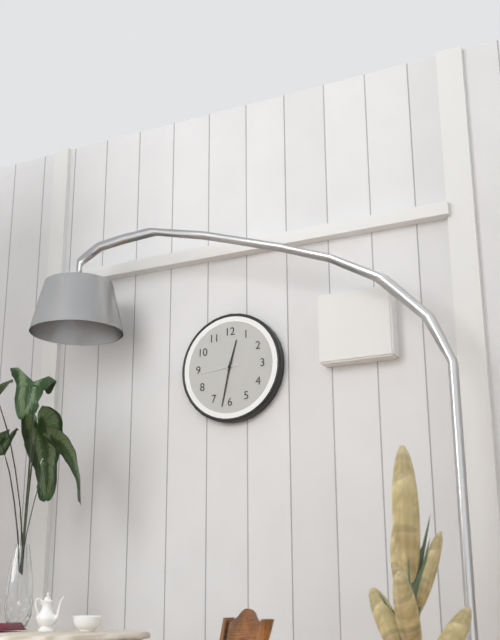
12.32
